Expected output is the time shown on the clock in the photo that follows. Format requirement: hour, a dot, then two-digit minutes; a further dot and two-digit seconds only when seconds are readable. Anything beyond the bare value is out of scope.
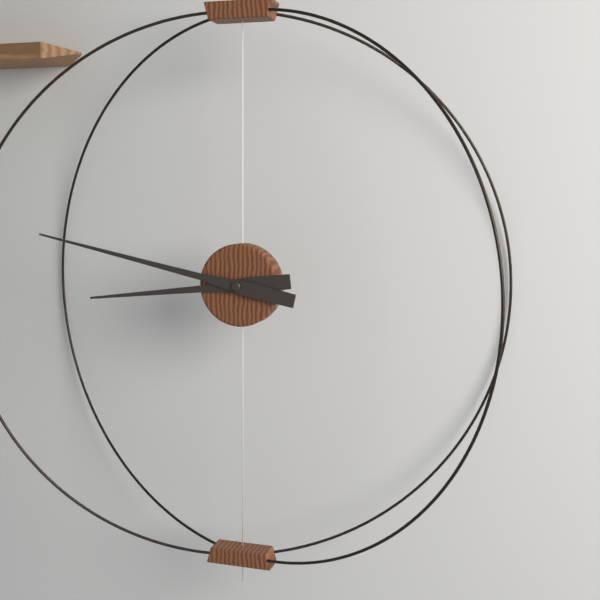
8.47
